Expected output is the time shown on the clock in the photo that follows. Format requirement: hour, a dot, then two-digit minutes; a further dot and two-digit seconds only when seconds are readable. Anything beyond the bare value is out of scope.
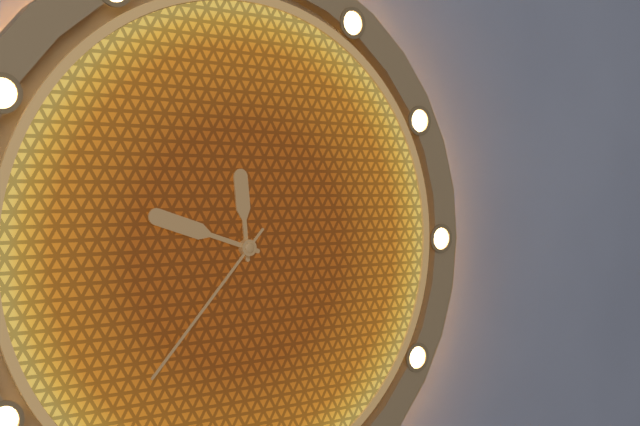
11.48.37
